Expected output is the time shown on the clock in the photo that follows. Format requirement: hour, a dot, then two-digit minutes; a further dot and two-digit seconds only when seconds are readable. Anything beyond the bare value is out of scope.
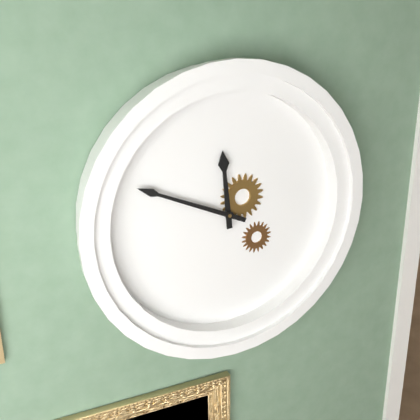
11.49
